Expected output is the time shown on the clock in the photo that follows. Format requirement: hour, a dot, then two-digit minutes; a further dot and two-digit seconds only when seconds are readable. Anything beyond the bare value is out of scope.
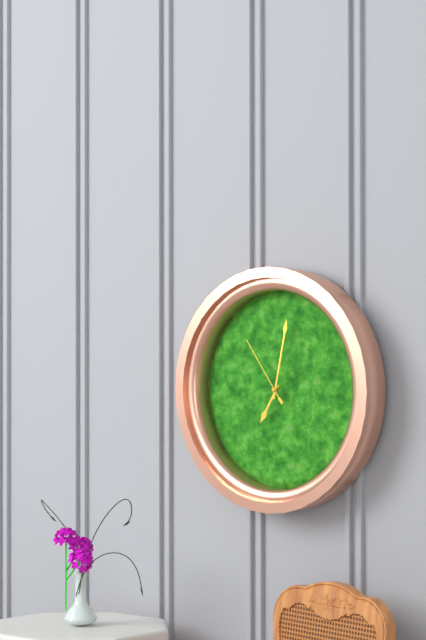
7.02.54
